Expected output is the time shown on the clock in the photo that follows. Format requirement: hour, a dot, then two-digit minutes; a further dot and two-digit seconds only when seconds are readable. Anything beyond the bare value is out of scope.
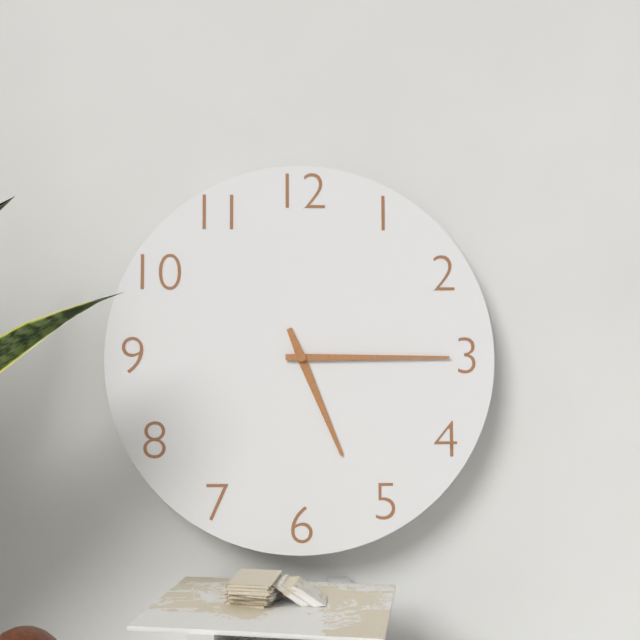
5.15
